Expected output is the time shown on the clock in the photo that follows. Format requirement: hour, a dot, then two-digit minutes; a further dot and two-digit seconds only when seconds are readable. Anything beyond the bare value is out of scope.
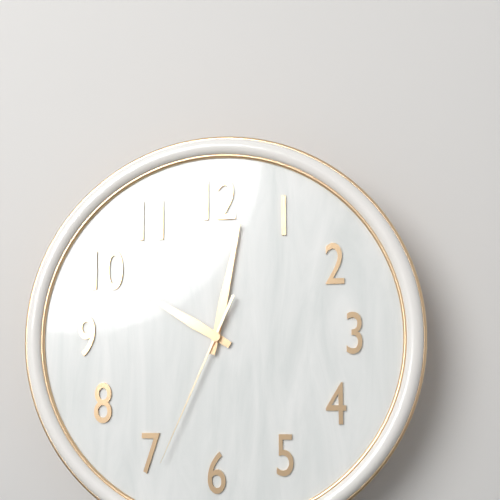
10.02.34
